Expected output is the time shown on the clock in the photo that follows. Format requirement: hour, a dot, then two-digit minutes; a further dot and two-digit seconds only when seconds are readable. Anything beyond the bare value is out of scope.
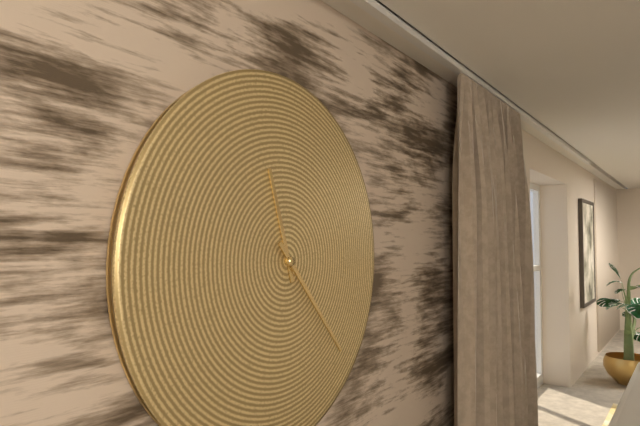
11.23
